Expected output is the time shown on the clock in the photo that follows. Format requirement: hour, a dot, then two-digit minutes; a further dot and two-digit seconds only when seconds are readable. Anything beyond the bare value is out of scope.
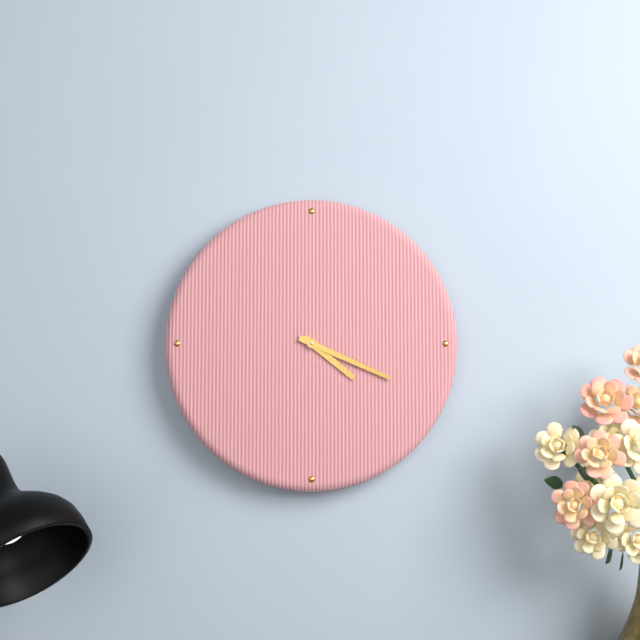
4.19
